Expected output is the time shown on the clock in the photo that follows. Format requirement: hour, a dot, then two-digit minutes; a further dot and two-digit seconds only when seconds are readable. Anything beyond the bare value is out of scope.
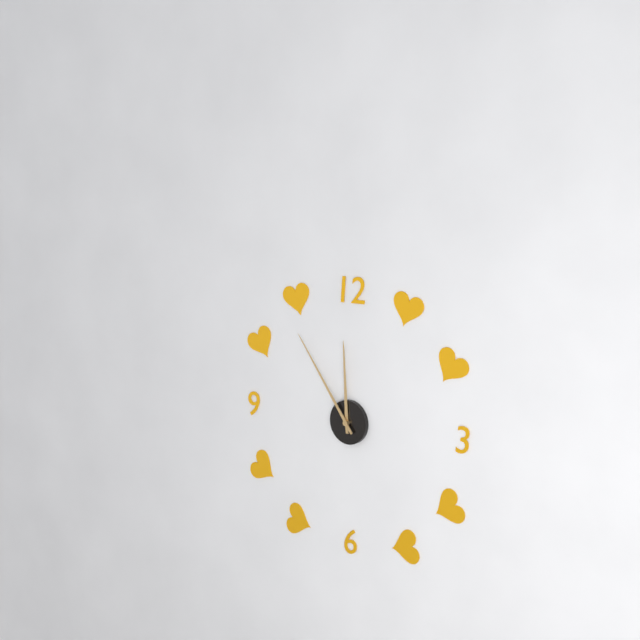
11.54
